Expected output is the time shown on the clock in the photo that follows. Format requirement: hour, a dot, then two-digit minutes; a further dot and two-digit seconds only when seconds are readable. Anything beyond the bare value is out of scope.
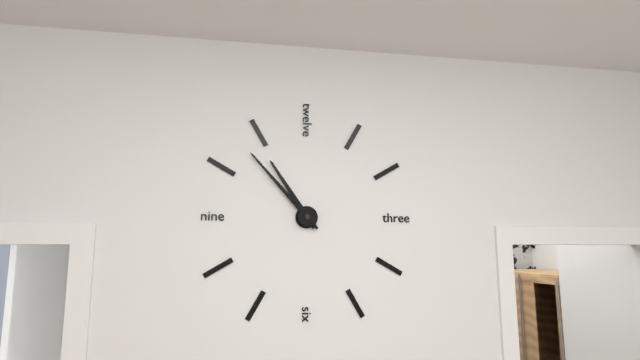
10.53
